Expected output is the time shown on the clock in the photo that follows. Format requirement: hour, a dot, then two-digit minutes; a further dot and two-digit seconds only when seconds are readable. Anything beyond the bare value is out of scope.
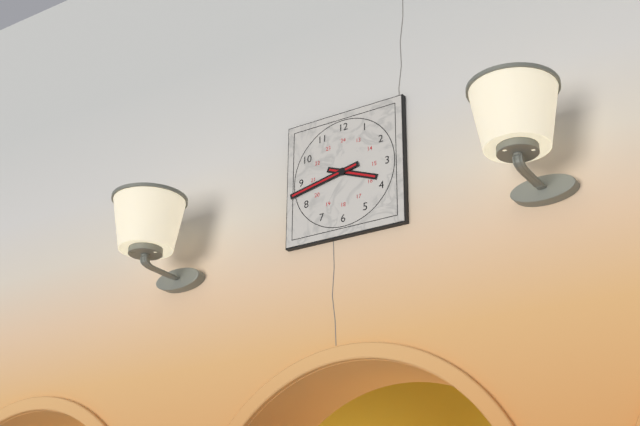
3.43
